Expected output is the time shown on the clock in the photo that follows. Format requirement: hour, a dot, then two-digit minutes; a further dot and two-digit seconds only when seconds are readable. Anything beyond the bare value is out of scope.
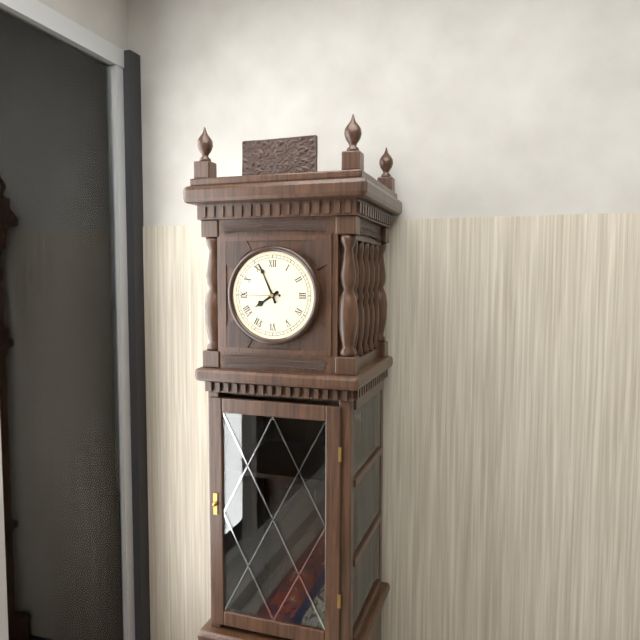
7.56
